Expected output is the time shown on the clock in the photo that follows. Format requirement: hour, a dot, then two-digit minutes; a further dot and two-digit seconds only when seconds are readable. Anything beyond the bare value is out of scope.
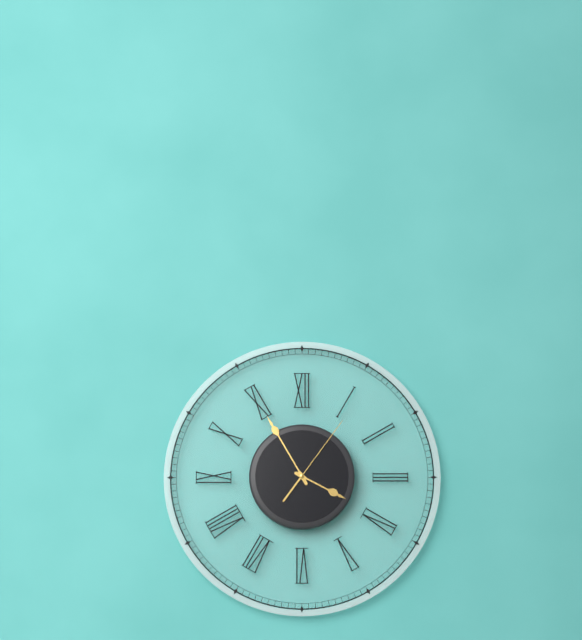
3.55.06
